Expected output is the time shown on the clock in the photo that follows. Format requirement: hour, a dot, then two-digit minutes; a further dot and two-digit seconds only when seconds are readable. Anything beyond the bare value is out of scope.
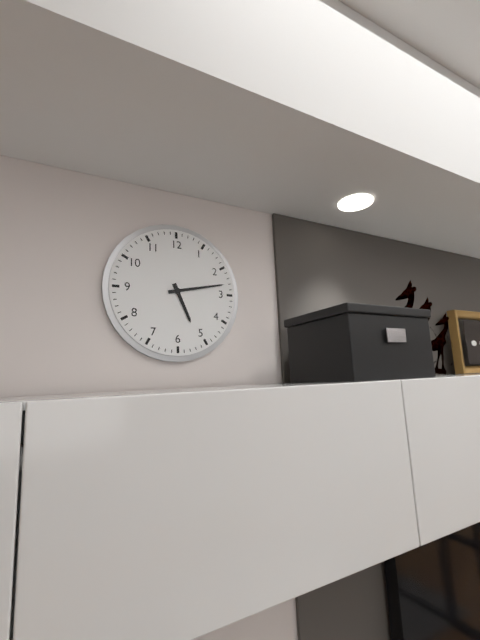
5.13
